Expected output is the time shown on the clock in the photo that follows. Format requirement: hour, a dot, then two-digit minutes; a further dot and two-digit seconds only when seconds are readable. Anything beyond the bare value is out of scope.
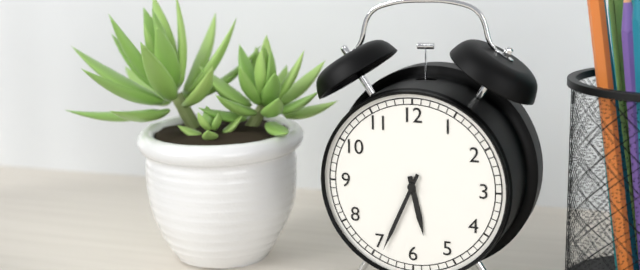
5.34
